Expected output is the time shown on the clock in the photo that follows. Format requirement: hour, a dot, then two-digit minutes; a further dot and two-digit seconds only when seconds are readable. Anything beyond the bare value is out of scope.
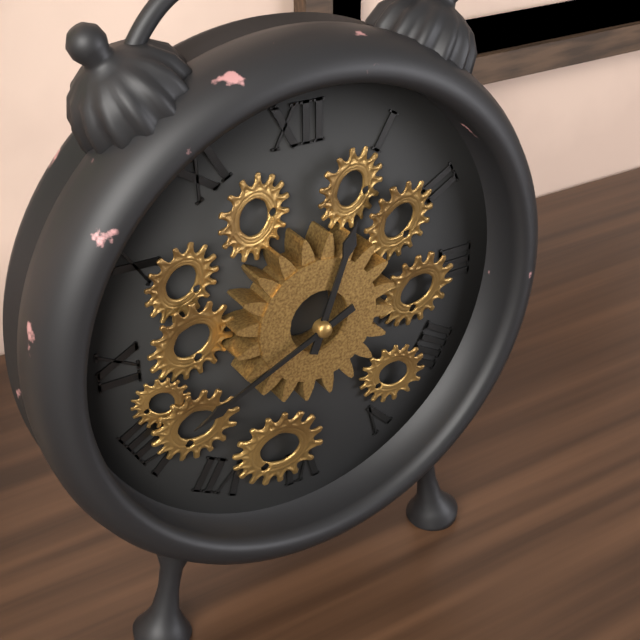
12.41
